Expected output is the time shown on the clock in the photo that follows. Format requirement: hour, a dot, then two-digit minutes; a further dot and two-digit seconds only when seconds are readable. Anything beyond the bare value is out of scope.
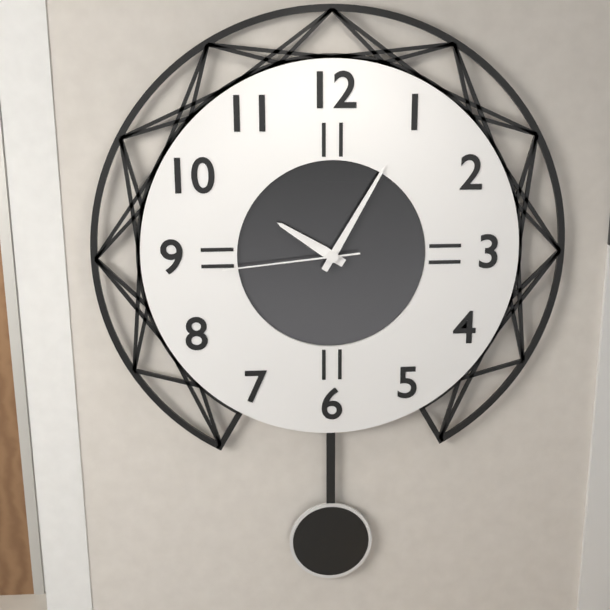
10.05.44
